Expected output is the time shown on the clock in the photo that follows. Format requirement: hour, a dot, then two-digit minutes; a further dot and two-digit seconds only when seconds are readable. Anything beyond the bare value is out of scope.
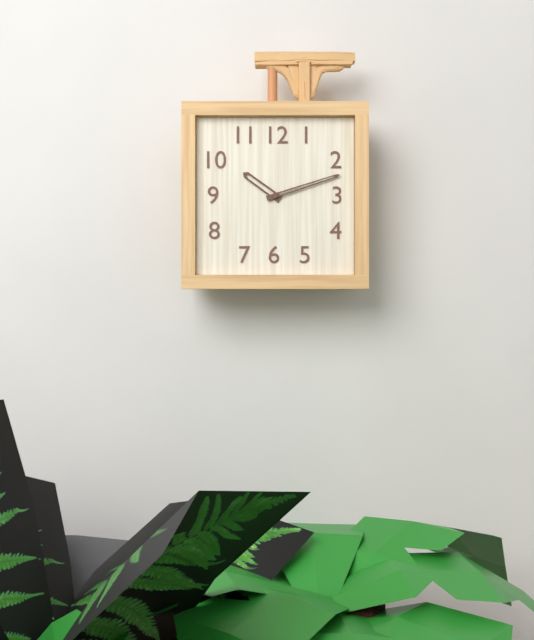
10.12
